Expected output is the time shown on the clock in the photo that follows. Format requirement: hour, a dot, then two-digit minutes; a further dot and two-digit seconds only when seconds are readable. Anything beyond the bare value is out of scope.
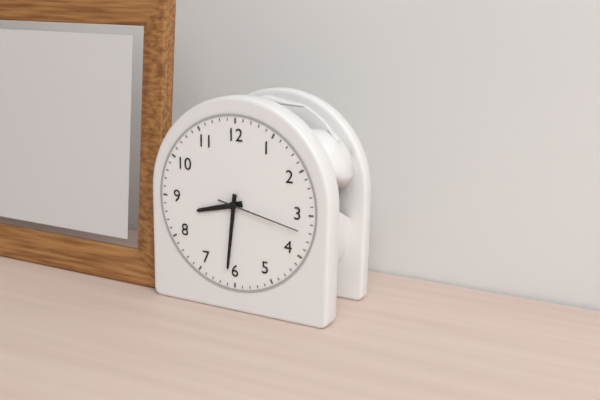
8.31.17
